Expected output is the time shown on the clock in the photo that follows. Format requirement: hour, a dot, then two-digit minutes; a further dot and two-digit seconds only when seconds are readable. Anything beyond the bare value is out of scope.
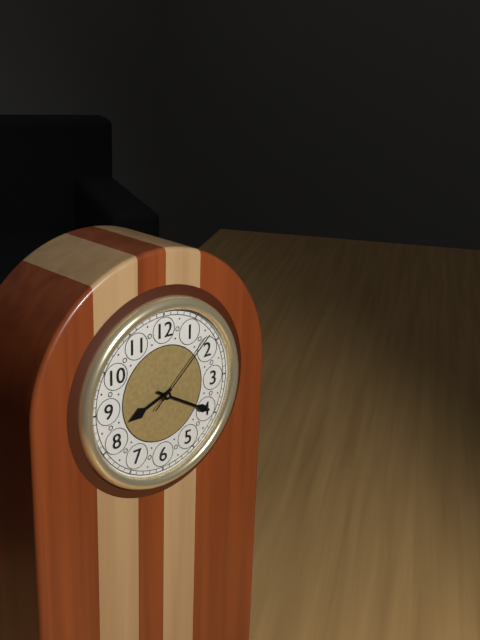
8.20.08
